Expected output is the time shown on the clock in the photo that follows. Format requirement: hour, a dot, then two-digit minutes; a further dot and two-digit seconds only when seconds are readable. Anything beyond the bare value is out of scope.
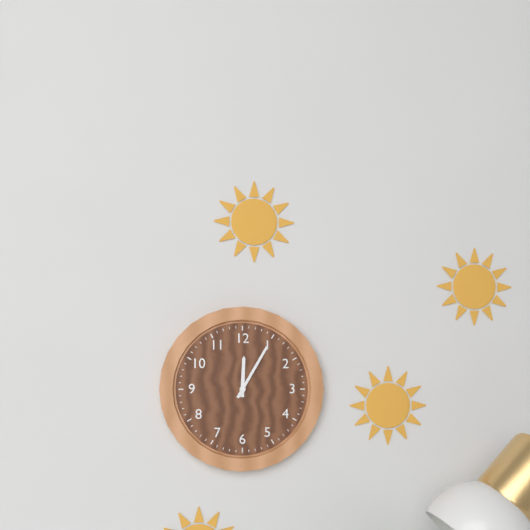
12.05
